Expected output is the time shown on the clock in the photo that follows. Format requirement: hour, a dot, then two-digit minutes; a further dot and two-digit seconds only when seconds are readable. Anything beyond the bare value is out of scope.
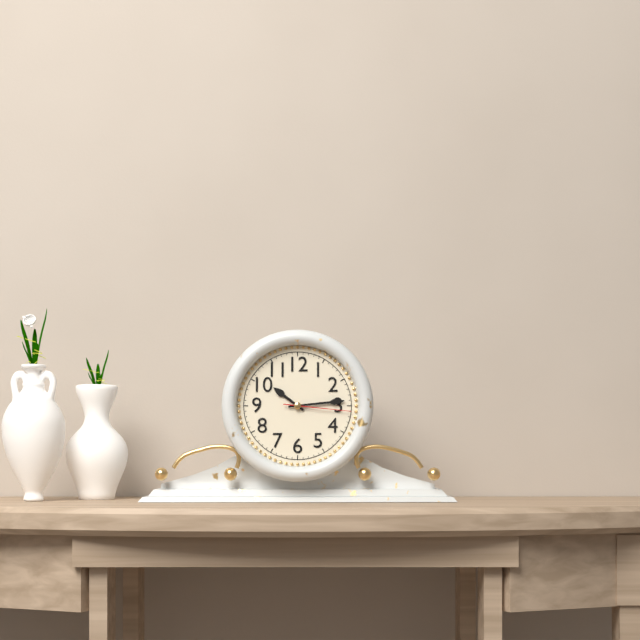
10.14.16
